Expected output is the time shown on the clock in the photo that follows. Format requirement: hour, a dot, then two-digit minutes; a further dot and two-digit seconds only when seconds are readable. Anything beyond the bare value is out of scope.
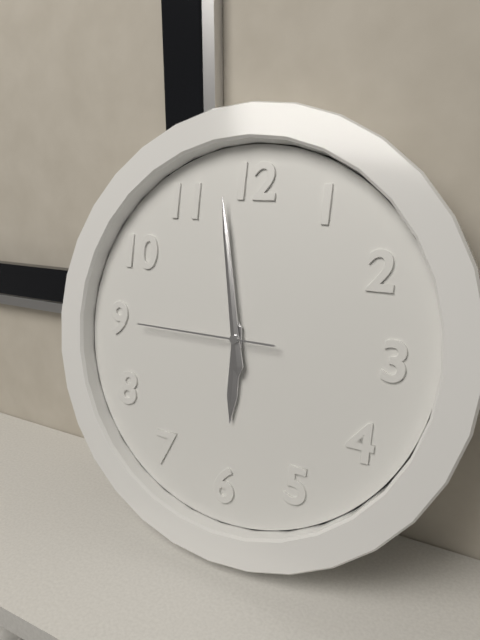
5.58.45
